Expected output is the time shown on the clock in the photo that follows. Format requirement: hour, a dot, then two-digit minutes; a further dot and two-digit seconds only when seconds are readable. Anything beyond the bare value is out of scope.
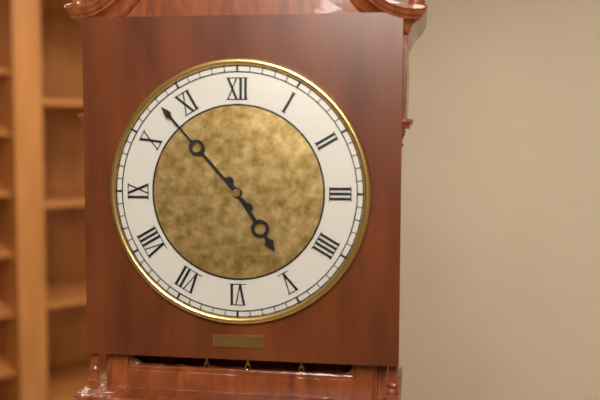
4.53
